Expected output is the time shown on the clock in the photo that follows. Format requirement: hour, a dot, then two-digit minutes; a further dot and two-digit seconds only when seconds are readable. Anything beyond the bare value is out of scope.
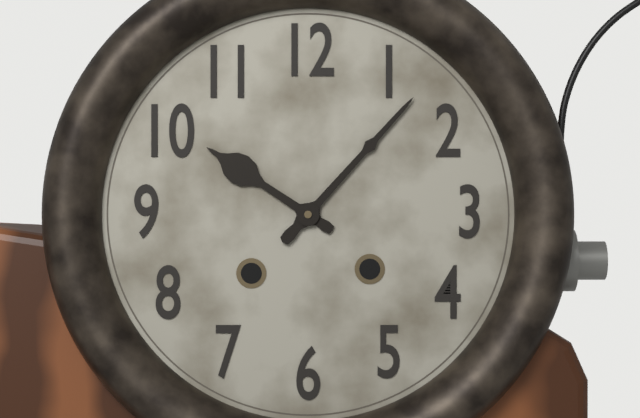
10.07
